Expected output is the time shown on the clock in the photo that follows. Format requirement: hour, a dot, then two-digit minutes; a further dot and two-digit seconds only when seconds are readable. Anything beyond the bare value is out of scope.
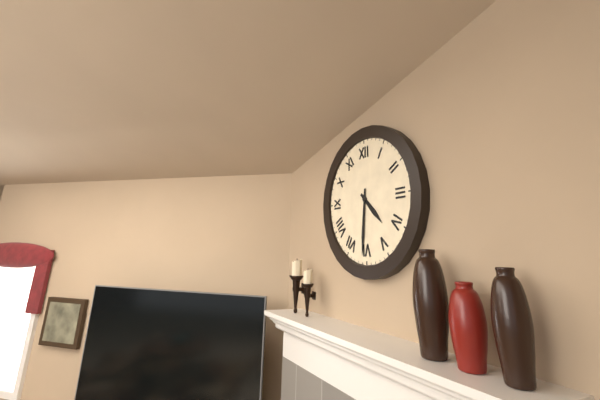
4.31
